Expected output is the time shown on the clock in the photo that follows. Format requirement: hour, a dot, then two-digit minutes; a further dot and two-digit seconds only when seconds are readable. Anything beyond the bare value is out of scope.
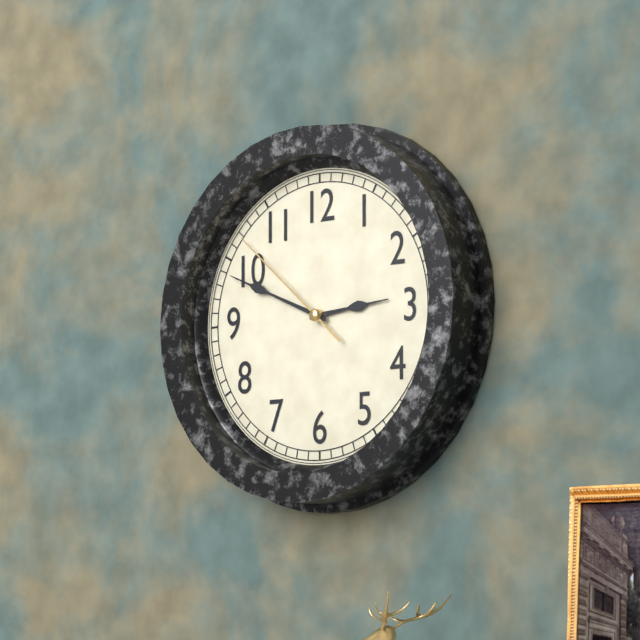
2.49.52
